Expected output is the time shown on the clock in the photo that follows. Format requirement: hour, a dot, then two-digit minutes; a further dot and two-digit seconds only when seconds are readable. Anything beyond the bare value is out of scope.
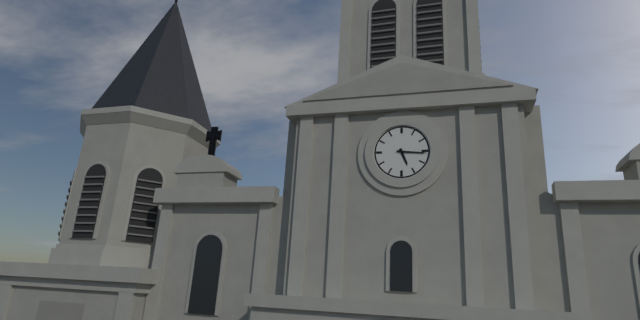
5.16
